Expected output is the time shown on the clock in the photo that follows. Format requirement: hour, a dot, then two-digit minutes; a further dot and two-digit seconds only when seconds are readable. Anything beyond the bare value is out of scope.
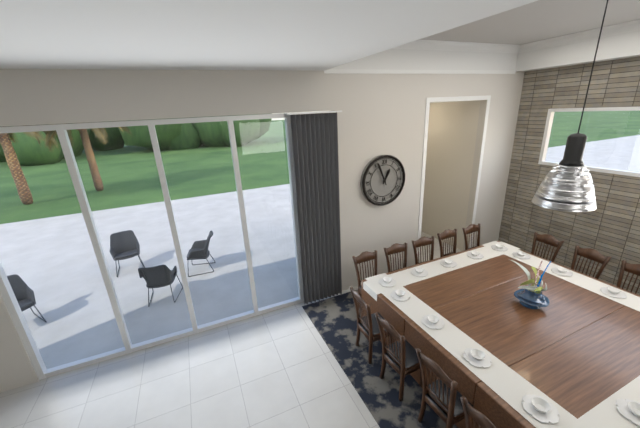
12.56
